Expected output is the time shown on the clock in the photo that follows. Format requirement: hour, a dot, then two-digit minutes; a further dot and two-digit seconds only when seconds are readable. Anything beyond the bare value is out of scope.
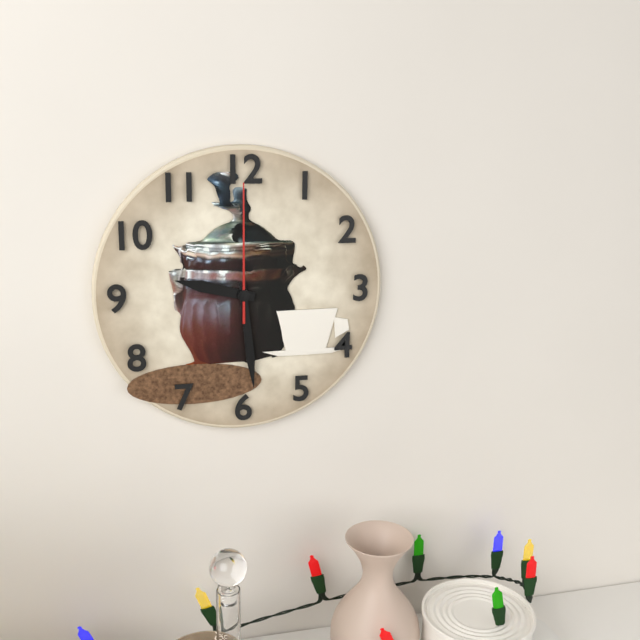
9.29.00
